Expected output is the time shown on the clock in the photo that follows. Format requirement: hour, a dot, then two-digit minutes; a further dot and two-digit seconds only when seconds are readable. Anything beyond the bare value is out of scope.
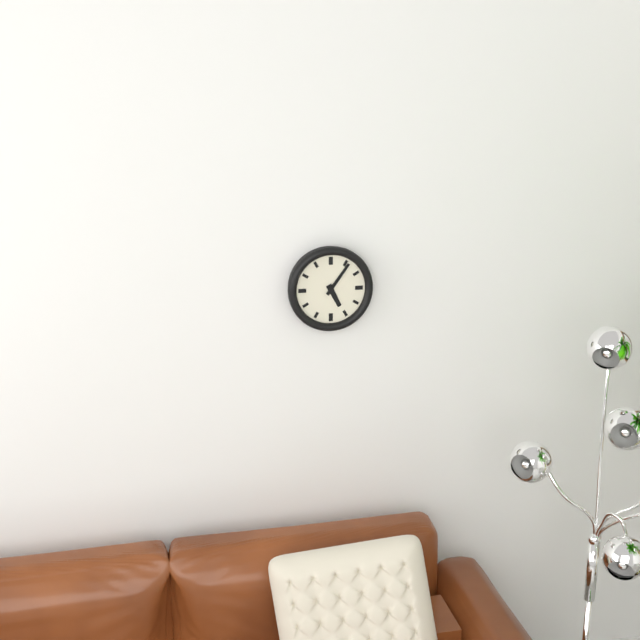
5.06
